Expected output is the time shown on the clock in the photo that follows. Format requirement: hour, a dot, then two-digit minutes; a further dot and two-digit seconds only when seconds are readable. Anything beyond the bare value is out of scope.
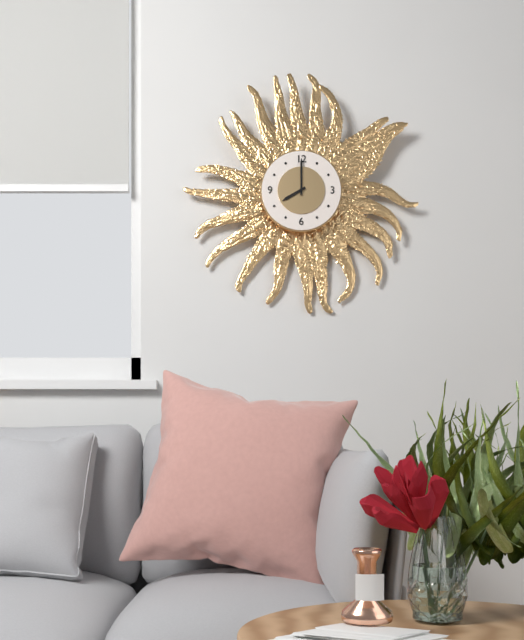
8.00
